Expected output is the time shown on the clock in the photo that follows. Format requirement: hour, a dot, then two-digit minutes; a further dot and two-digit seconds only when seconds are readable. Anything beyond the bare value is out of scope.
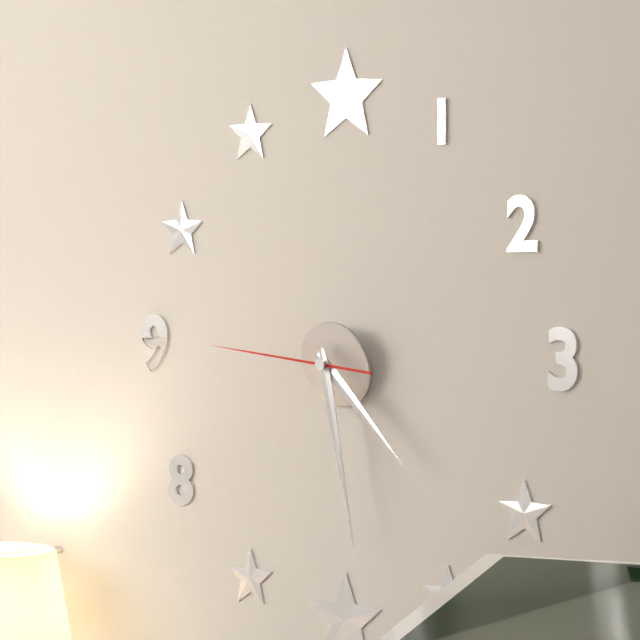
4.28.46
